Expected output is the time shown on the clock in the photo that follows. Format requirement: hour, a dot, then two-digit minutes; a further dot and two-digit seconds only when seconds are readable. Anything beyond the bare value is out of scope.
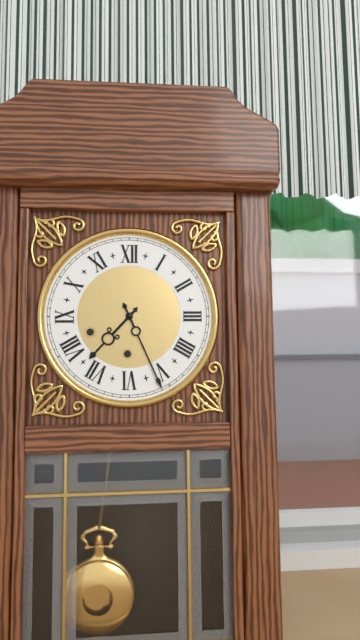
7.26
